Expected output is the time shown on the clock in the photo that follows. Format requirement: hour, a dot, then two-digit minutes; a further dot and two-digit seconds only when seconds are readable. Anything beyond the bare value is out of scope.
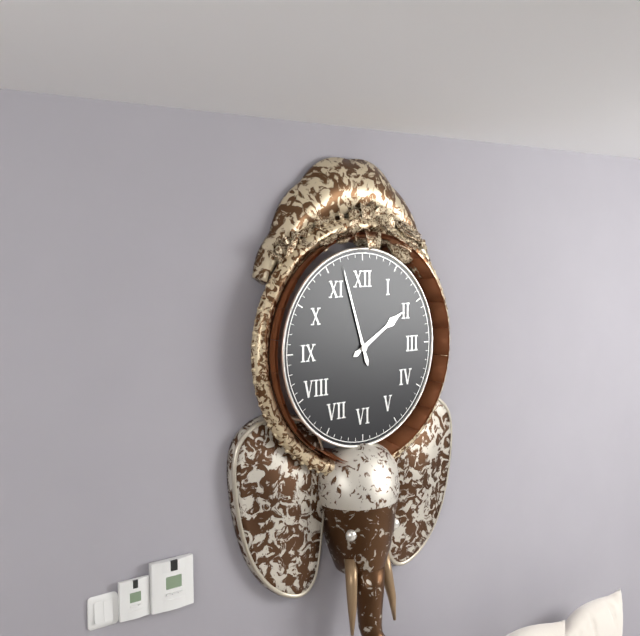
1.57
